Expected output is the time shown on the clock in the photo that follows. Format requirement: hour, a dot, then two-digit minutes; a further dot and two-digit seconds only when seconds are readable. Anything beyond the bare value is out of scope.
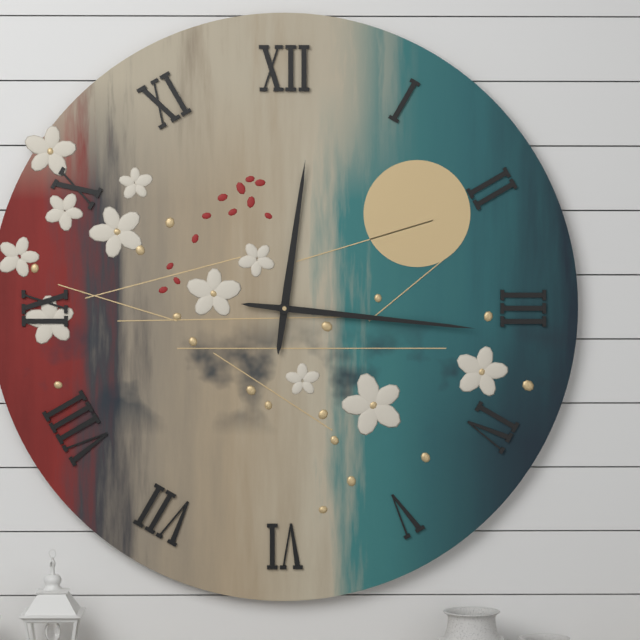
12.16
